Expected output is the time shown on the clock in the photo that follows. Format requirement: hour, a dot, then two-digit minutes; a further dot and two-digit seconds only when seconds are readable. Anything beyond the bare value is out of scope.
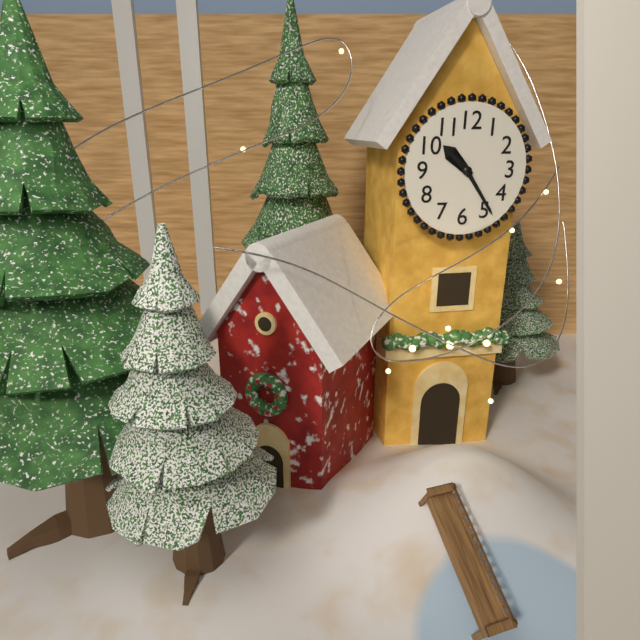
10.24
